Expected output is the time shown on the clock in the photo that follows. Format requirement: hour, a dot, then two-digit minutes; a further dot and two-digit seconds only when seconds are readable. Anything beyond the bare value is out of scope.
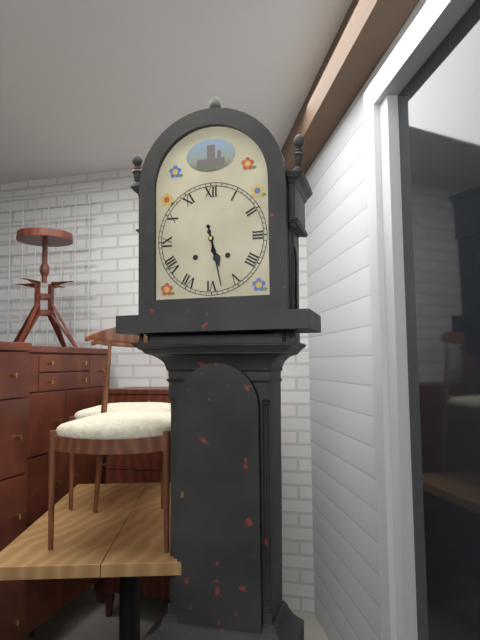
5.28
